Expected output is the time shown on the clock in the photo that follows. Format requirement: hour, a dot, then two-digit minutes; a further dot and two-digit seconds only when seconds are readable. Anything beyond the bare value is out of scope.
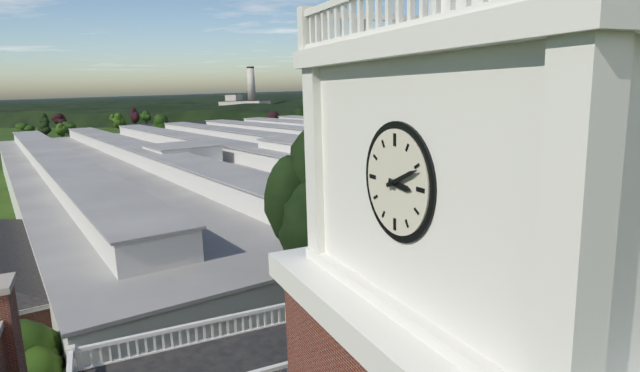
3.11
